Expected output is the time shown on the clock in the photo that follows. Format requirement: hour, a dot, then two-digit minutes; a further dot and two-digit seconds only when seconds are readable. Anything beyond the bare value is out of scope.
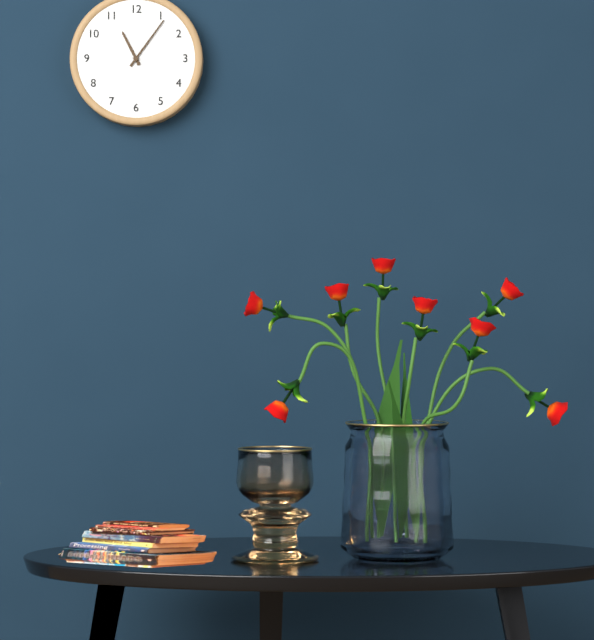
11.06
